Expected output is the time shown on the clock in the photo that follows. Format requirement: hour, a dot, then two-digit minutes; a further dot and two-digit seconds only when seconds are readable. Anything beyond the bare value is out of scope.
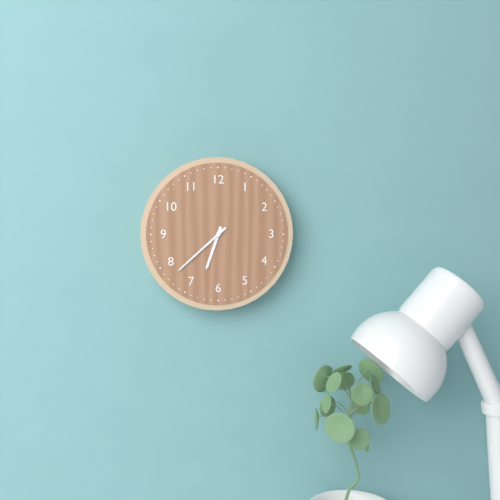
6.38
